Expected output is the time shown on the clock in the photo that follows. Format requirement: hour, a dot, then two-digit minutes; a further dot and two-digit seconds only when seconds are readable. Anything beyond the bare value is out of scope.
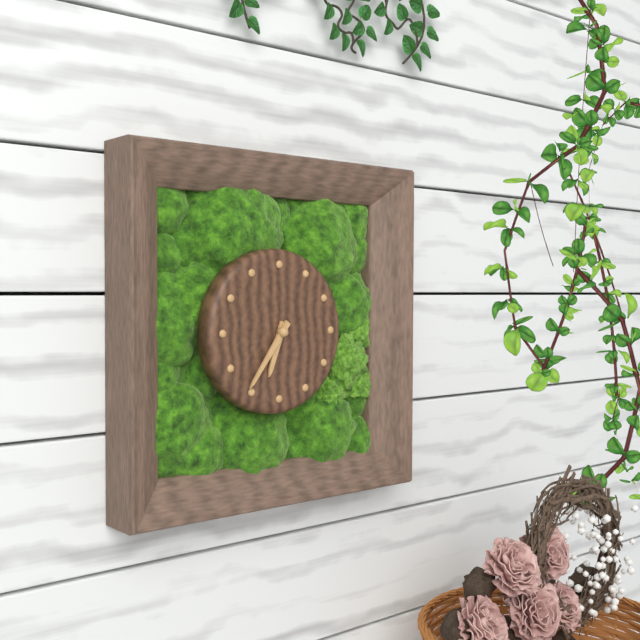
6.36
